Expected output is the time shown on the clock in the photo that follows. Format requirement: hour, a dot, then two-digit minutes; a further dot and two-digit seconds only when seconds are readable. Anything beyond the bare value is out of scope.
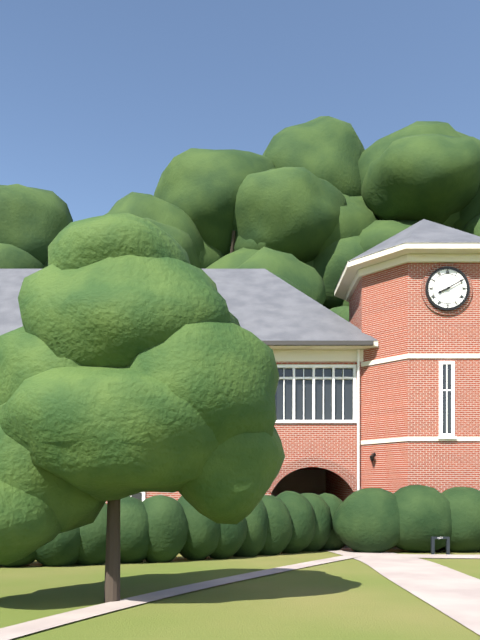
8.10
